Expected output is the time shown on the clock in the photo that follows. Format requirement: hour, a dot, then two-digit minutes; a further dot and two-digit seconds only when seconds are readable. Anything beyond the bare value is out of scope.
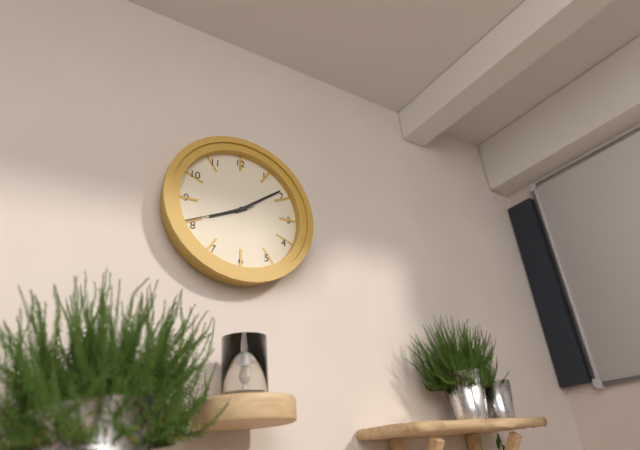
8.09.41
